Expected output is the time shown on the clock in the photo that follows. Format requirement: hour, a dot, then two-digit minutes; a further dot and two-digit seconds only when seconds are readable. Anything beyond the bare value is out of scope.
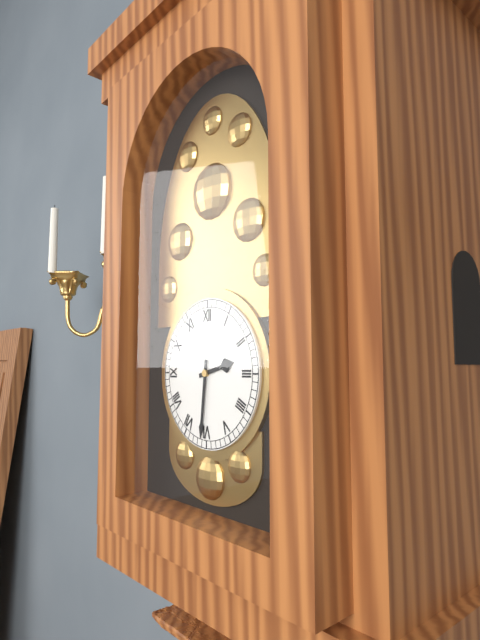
2.31
